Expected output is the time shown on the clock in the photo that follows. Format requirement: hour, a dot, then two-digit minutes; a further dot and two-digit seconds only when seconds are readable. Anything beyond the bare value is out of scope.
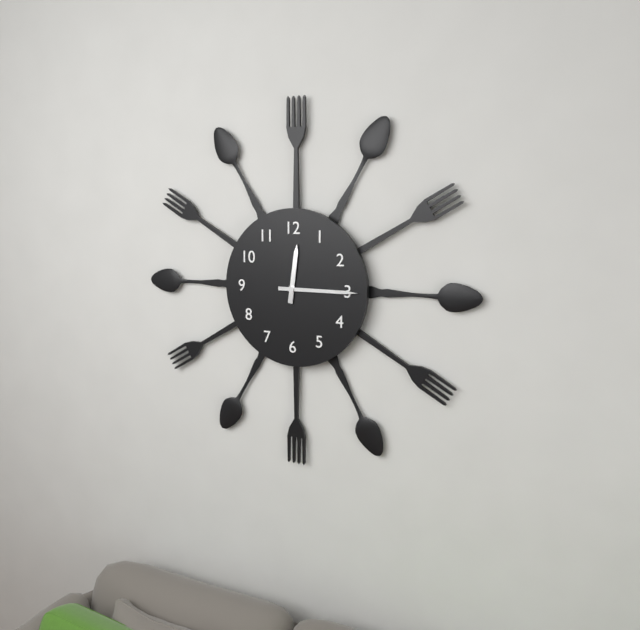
12.15
